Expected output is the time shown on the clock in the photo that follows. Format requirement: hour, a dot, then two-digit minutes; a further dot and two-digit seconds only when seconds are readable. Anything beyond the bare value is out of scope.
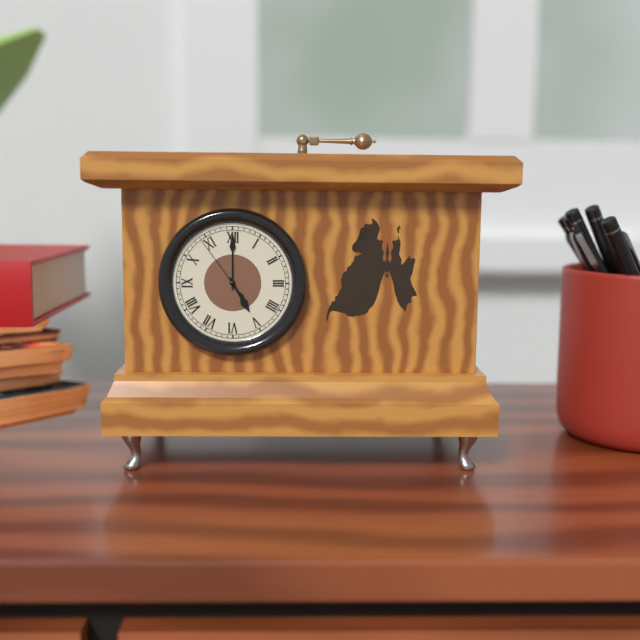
5.00.54
